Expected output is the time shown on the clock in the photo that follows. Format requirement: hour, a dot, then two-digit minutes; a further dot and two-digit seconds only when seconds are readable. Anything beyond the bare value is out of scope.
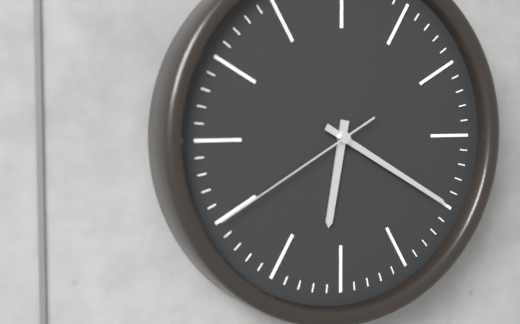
6.20.40
